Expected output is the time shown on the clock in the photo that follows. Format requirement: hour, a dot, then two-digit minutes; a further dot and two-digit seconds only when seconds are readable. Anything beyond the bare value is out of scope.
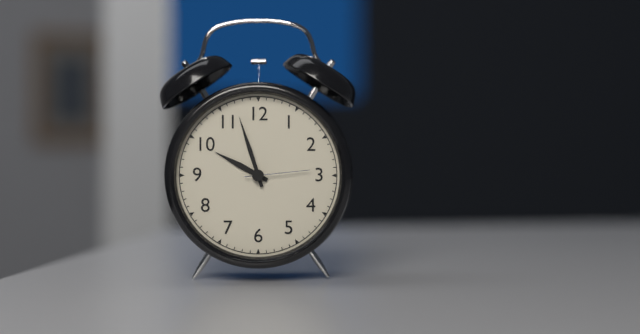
9.57.14
